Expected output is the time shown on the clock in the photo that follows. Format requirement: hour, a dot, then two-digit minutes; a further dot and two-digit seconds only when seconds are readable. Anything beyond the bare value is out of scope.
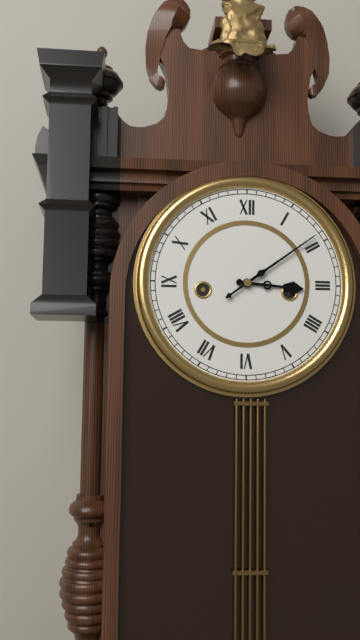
3.09
